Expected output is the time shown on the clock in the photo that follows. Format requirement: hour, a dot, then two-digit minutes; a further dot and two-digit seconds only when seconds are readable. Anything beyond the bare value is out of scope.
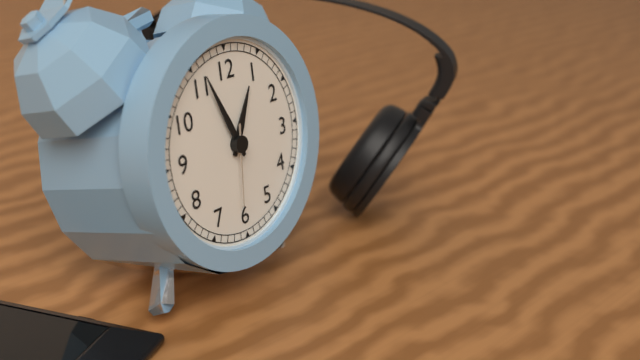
12.56.31
